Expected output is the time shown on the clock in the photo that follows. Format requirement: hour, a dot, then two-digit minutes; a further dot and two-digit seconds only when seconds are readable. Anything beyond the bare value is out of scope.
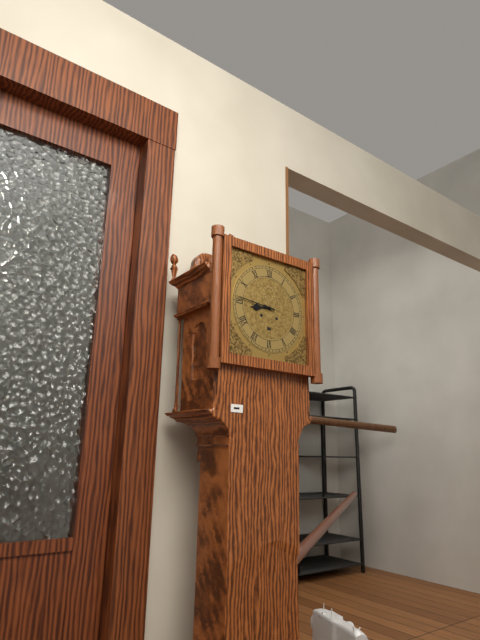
8.46
